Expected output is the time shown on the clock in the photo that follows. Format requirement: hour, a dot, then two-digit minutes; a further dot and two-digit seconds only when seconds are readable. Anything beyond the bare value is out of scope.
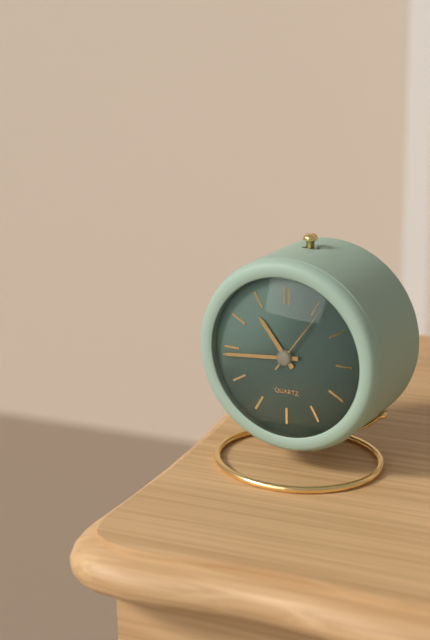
10.44.06
